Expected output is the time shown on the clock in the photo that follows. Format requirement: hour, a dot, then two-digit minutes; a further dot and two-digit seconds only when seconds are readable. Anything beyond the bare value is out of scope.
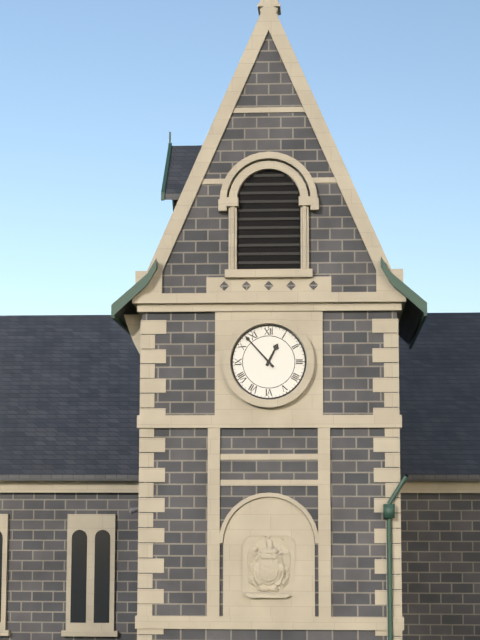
12.53
